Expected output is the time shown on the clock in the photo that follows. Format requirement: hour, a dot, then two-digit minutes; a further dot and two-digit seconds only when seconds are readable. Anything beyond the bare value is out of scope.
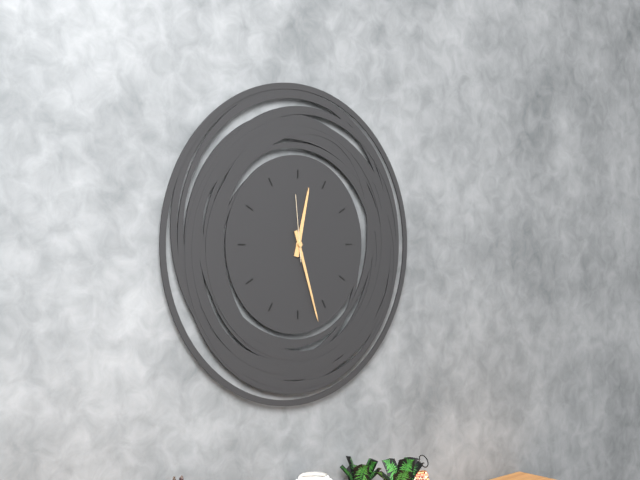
12.27.59
